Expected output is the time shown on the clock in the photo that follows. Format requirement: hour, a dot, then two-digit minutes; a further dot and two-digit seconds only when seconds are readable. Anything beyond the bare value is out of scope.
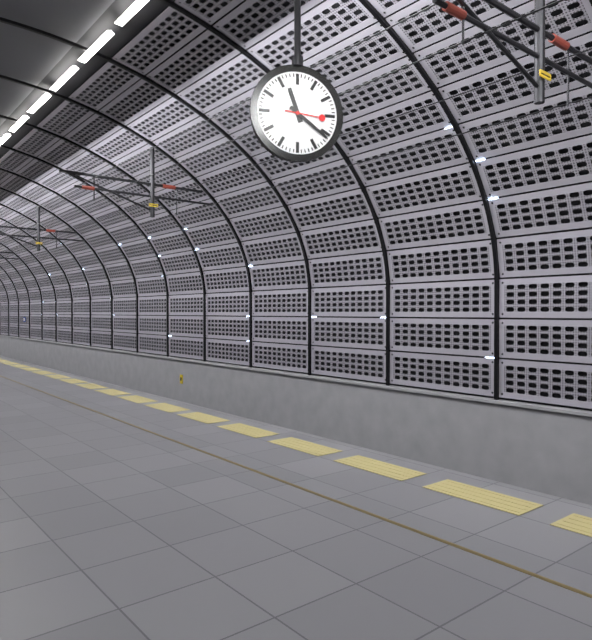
11.21
